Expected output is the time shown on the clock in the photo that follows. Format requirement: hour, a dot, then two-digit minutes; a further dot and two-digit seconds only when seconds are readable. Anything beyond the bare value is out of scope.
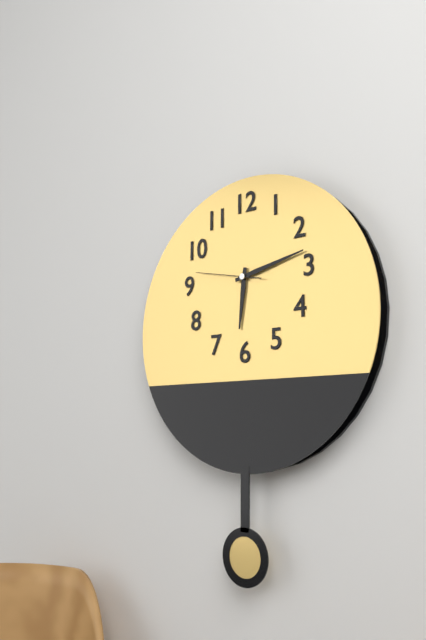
6.13.47
